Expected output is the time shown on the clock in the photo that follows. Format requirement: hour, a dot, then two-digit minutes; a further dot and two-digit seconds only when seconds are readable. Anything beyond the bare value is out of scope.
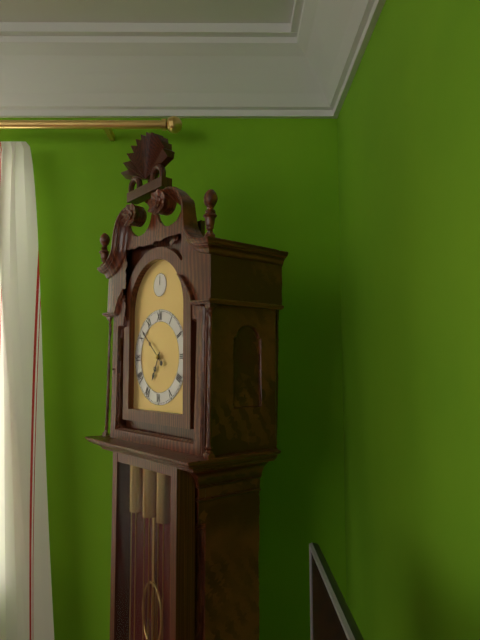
6.52
